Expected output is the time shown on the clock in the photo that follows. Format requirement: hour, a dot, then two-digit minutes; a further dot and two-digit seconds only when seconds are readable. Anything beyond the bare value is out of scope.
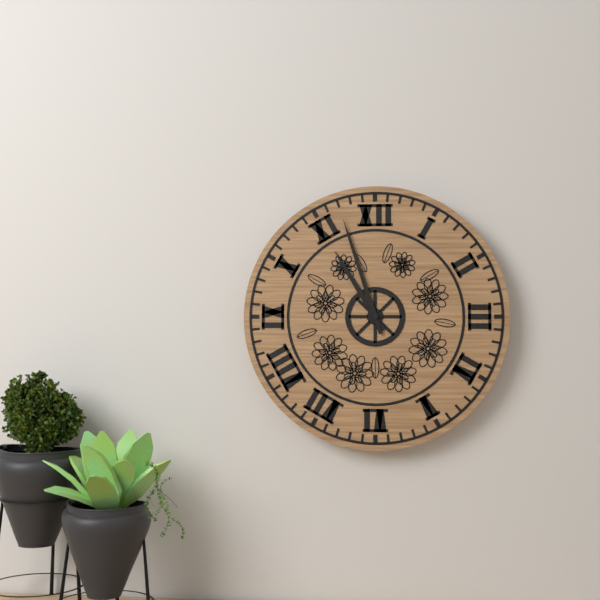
10.57
